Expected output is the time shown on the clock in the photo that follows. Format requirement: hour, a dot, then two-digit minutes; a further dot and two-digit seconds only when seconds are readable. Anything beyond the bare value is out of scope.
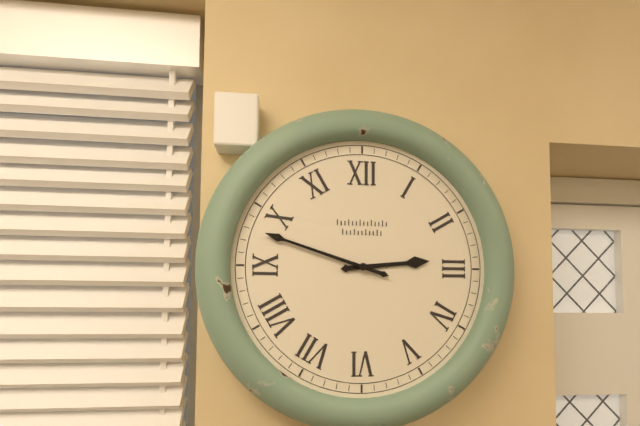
2.48
